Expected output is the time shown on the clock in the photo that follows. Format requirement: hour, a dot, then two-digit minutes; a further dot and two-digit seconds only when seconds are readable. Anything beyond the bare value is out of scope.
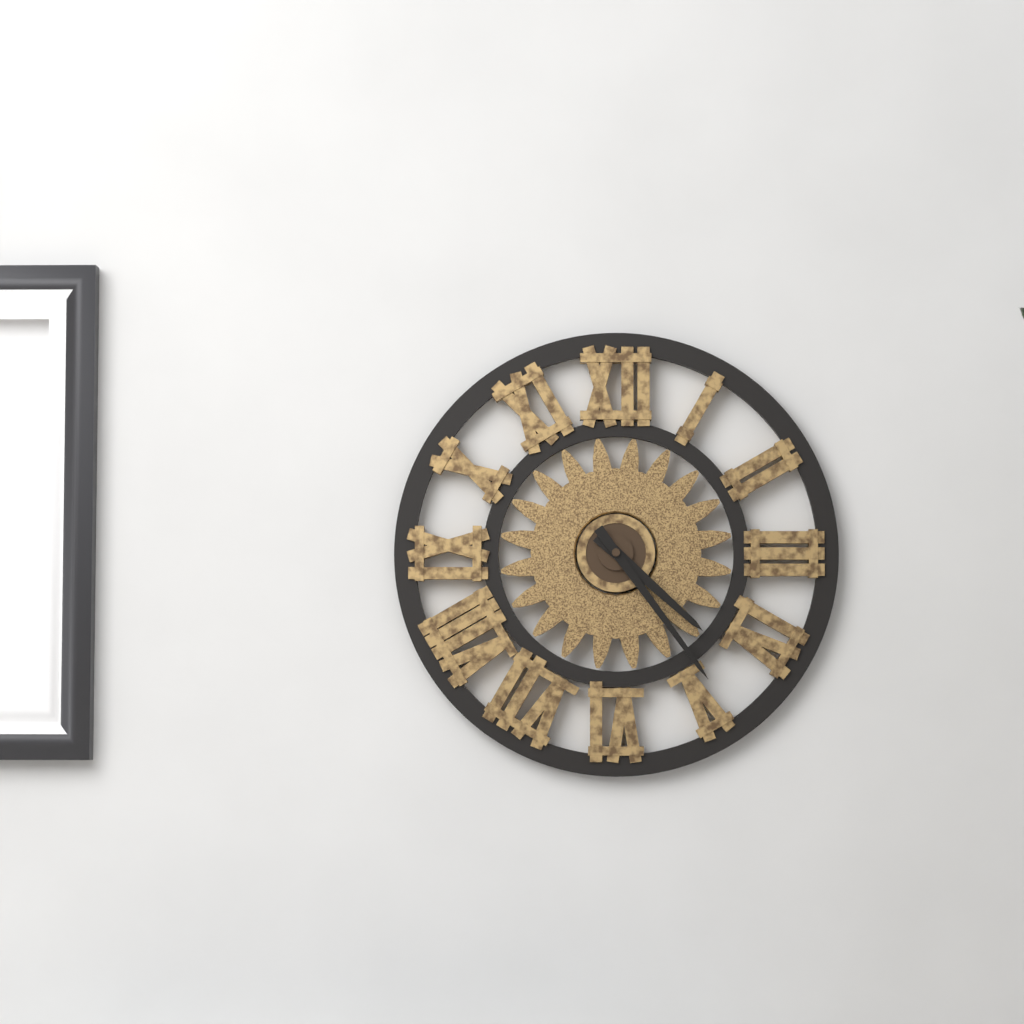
4.24
